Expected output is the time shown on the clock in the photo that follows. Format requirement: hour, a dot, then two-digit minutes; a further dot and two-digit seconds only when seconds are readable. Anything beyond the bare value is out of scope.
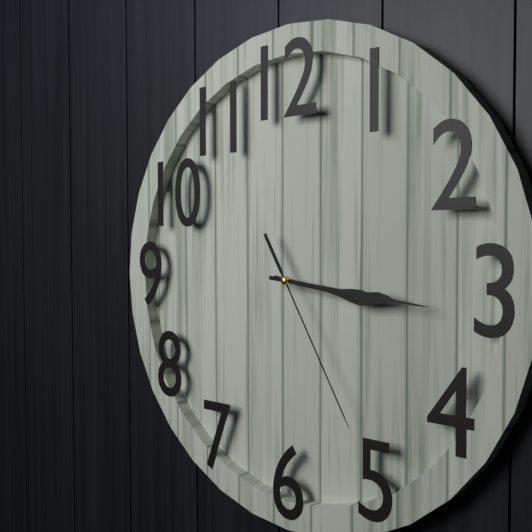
3.16.25
